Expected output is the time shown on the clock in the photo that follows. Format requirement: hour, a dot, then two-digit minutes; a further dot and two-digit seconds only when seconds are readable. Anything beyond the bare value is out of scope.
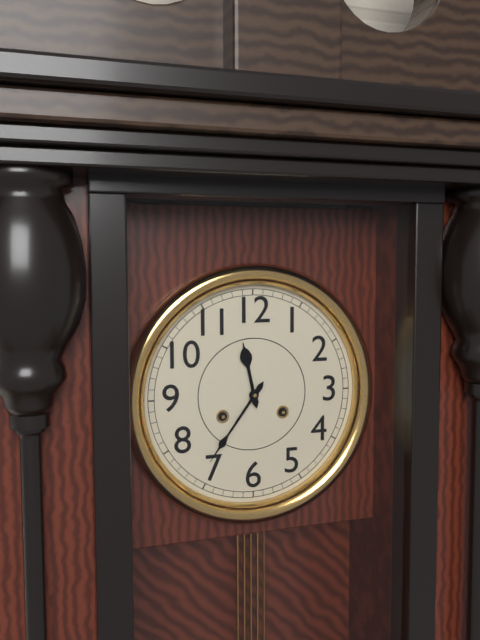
11.36
